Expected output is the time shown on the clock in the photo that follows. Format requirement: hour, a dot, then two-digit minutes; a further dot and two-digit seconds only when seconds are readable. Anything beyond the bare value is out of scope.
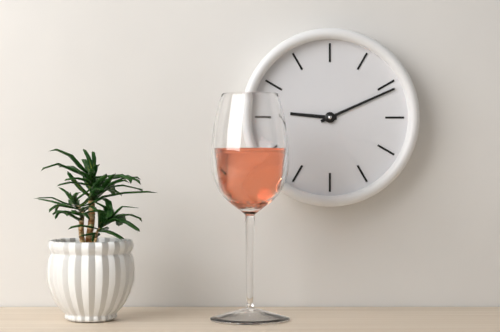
9.11
